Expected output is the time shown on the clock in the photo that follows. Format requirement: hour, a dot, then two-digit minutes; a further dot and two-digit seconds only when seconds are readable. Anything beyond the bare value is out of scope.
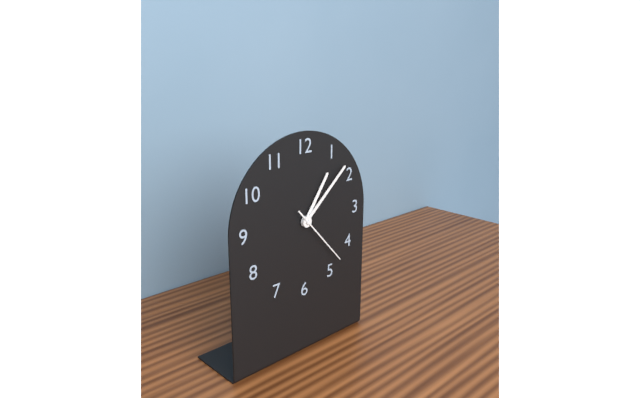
1.08.23
